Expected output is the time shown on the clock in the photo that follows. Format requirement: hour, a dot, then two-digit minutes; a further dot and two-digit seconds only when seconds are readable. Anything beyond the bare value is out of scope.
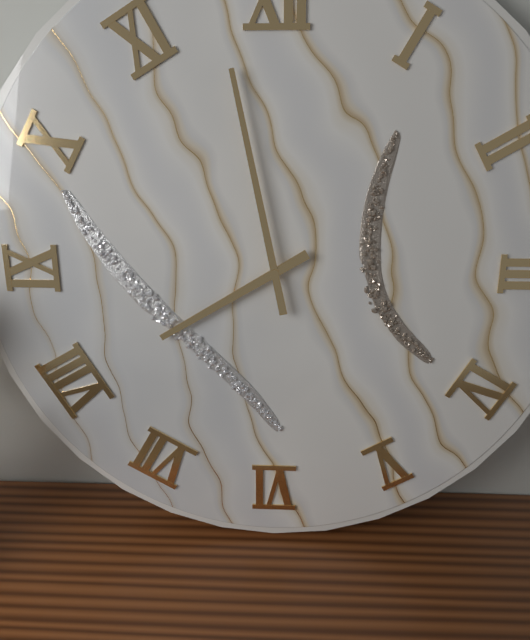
7.58
